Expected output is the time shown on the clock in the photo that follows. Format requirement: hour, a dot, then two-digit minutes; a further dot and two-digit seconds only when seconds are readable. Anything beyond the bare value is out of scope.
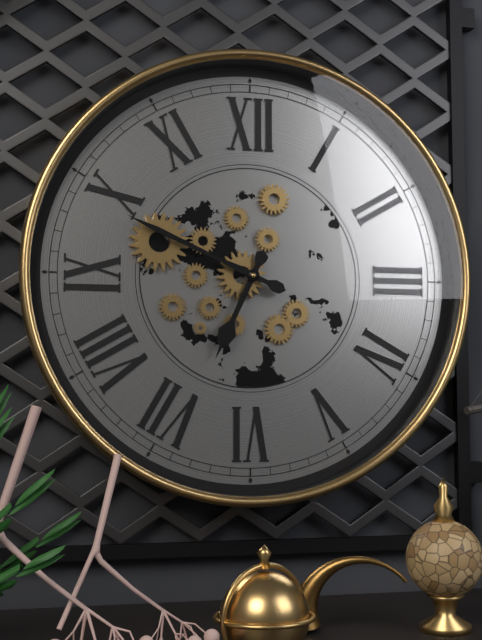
6.49
